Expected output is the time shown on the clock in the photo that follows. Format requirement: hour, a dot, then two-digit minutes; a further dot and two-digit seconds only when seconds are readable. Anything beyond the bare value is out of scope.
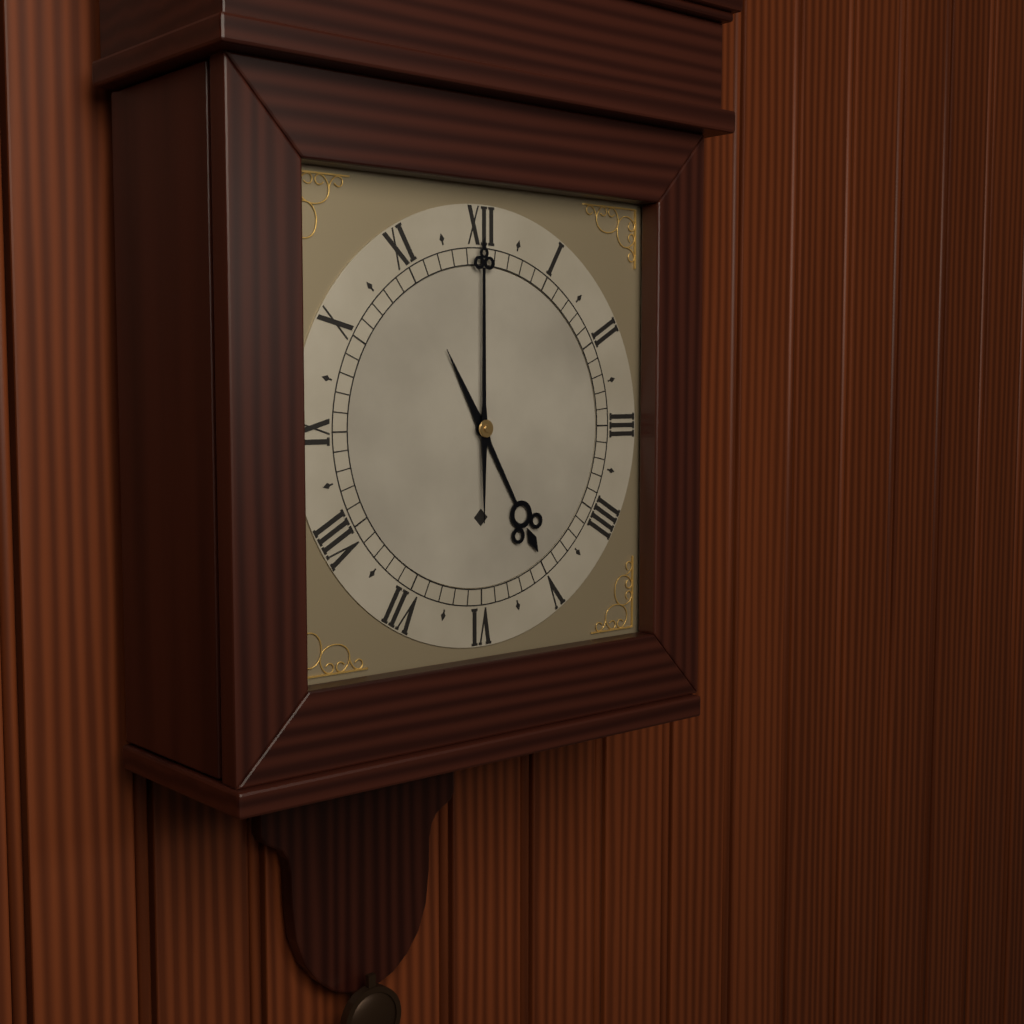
5.00
